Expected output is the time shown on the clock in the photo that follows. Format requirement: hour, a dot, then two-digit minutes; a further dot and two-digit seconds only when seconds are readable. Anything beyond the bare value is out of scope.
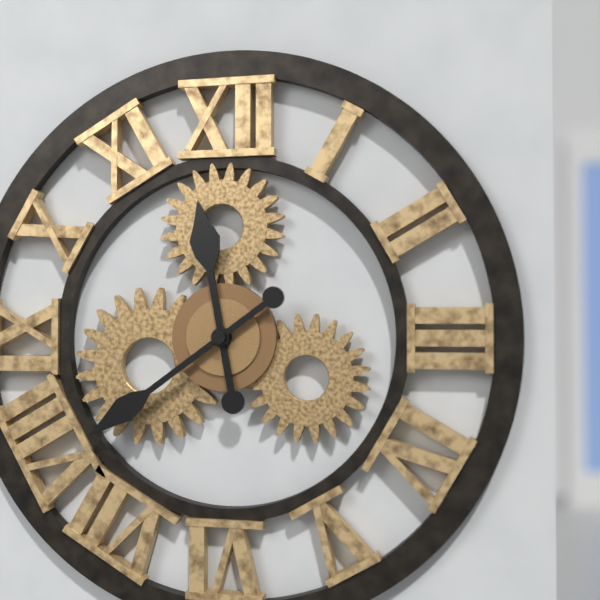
11.39
